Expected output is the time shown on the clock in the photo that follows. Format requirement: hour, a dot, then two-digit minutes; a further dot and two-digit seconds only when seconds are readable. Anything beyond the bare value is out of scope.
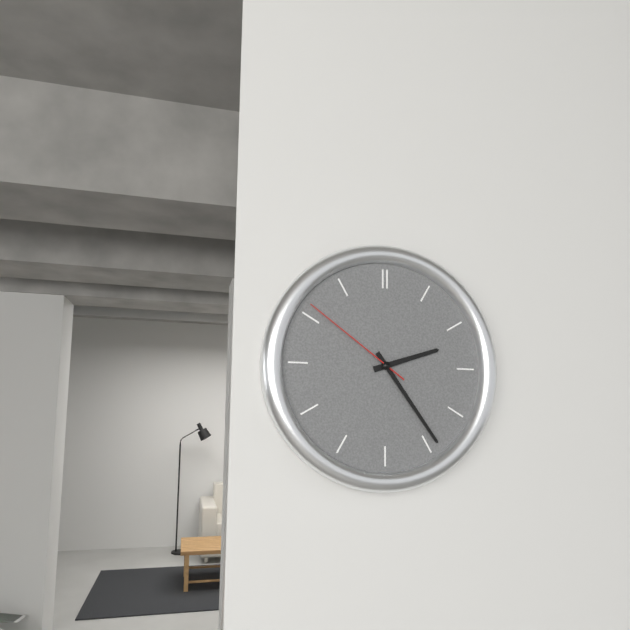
2.24.51
